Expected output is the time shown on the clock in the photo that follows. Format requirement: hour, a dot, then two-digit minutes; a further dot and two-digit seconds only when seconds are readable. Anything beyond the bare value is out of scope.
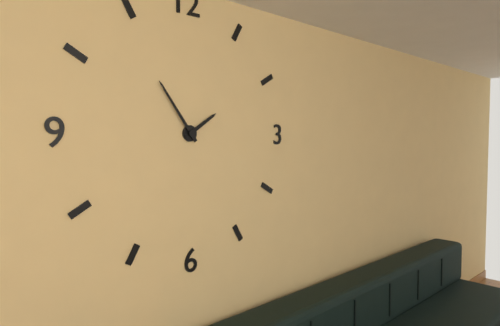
1.54
